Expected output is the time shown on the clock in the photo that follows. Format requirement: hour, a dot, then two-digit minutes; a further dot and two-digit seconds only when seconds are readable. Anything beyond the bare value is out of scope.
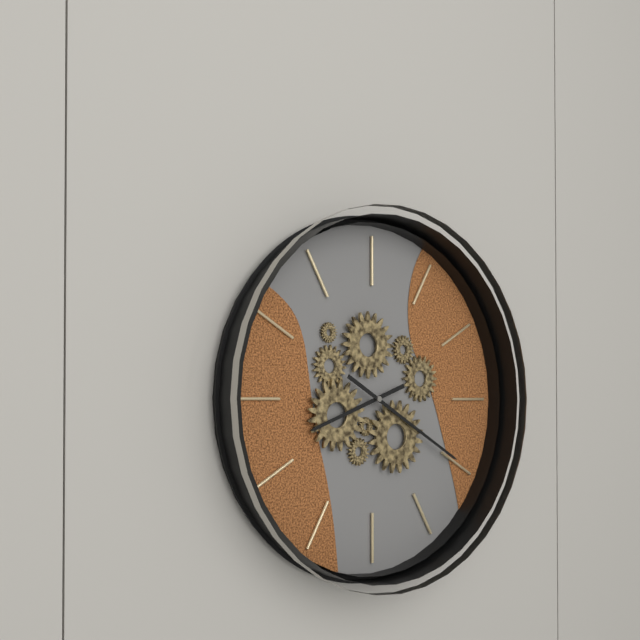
8.20
